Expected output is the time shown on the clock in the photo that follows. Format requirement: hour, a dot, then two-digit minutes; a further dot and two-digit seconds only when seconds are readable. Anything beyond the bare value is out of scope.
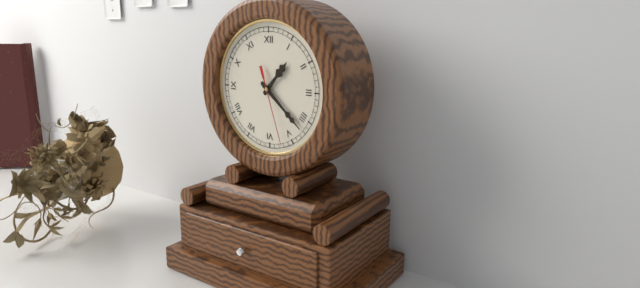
1.22.27
